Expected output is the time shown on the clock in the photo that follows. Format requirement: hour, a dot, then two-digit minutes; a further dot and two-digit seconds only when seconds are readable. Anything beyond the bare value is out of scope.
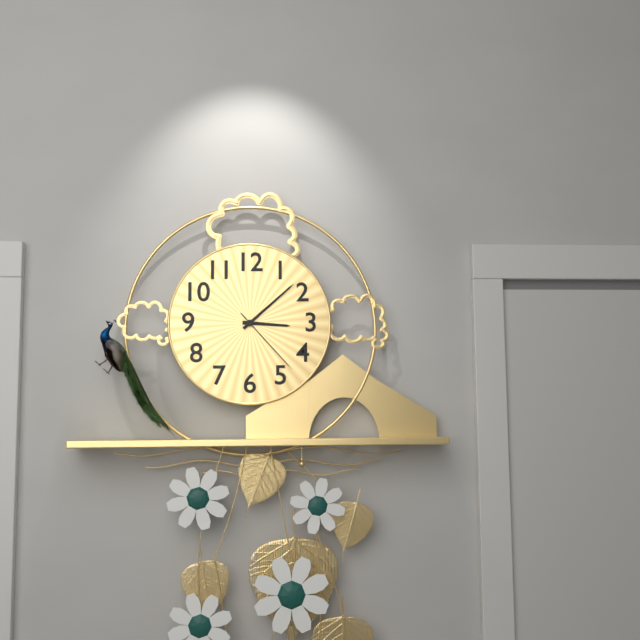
3.08.23
